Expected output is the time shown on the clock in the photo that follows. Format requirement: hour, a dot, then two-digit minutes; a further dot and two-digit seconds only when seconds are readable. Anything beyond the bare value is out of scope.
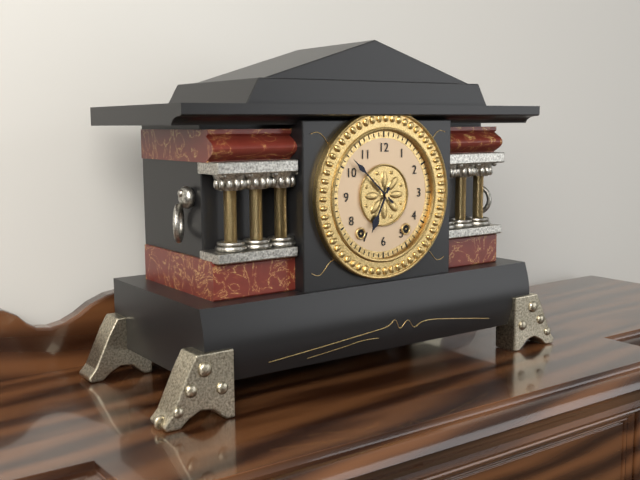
6.52
